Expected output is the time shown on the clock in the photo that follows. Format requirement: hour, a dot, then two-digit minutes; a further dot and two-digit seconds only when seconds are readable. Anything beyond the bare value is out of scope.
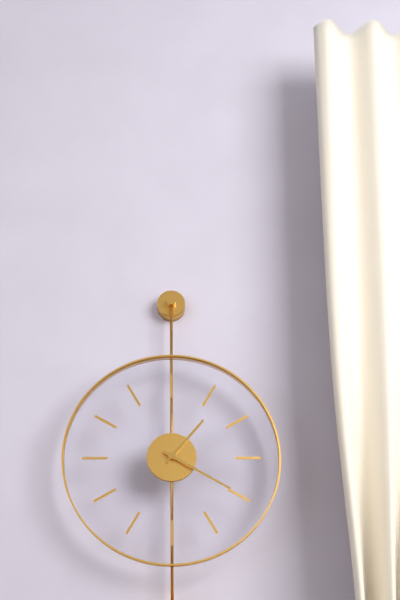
1.20
